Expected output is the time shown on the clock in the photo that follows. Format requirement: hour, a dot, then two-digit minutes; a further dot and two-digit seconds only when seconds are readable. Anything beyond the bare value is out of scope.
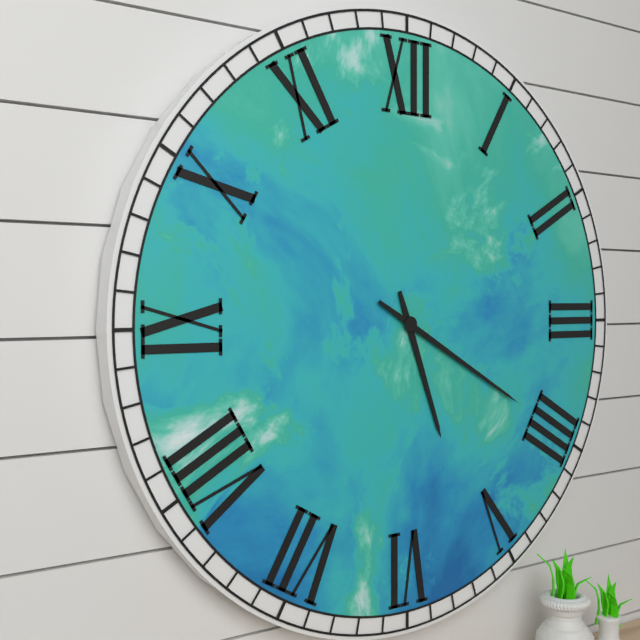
5.20
